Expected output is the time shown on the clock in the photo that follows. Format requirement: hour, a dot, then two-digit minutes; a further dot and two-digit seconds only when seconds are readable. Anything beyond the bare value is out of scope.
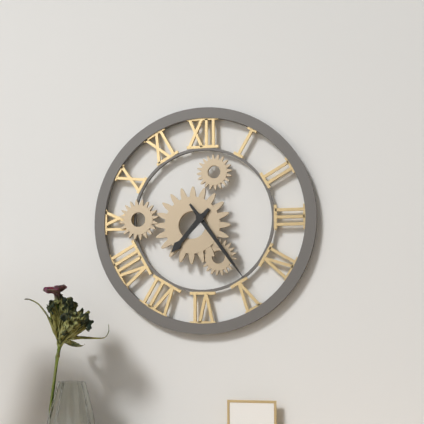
7.24
